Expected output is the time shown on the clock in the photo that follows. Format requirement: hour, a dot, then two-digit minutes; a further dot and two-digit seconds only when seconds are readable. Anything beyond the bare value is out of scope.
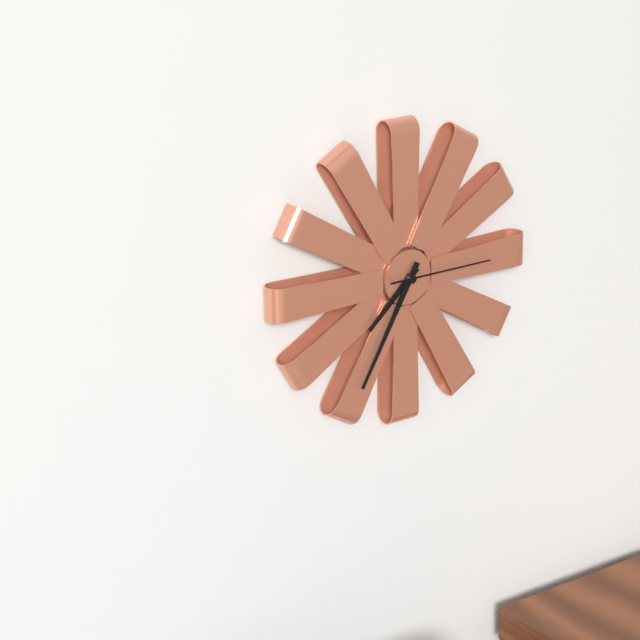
7.35.15
